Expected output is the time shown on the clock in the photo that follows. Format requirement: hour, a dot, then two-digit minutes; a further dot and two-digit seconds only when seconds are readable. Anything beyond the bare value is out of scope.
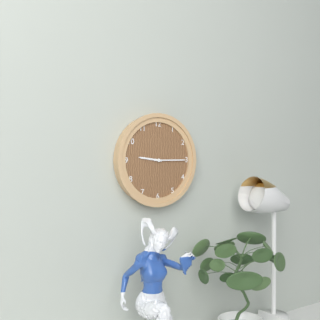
9.15
